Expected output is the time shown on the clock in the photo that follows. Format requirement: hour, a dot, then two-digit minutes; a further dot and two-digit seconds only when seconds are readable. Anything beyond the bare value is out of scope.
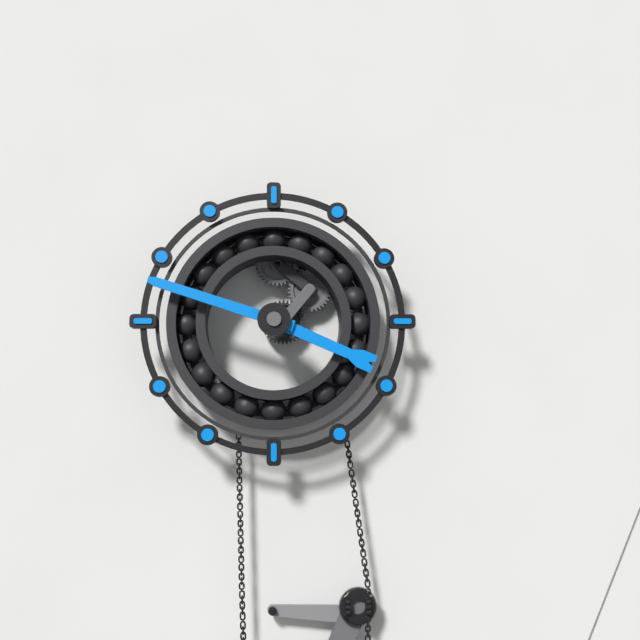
3.48
